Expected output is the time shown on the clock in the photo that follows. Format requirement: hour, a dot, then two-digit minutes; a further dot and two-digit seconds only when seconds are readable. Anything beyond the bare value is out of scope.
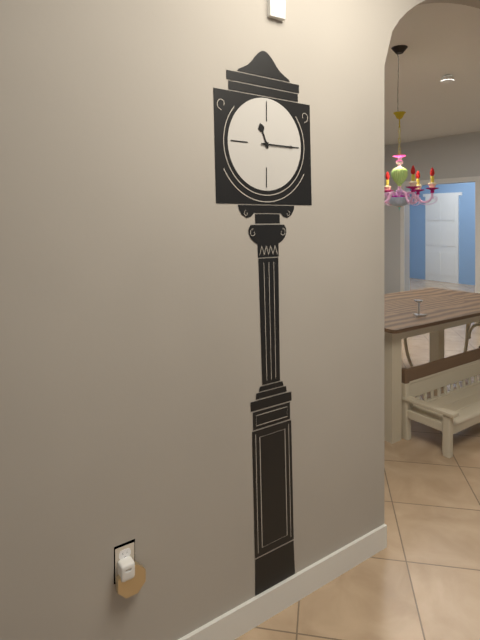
11.15
